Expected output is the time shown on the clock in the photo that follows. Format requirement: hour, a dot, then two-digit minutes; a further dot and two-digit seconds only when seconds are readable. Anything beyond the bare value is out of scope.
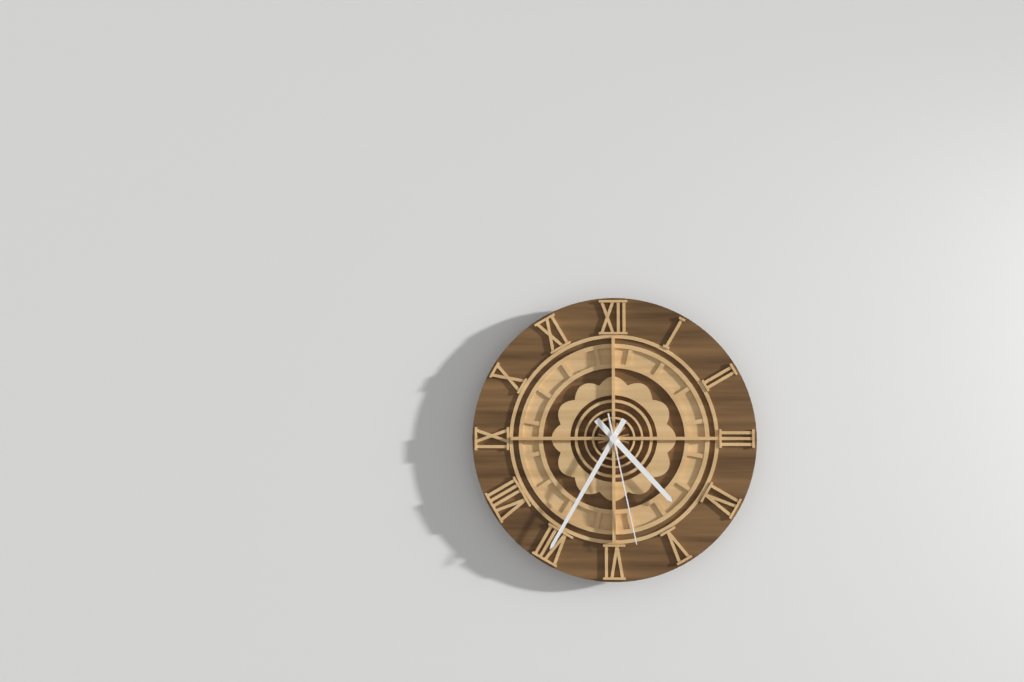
4.35.28
